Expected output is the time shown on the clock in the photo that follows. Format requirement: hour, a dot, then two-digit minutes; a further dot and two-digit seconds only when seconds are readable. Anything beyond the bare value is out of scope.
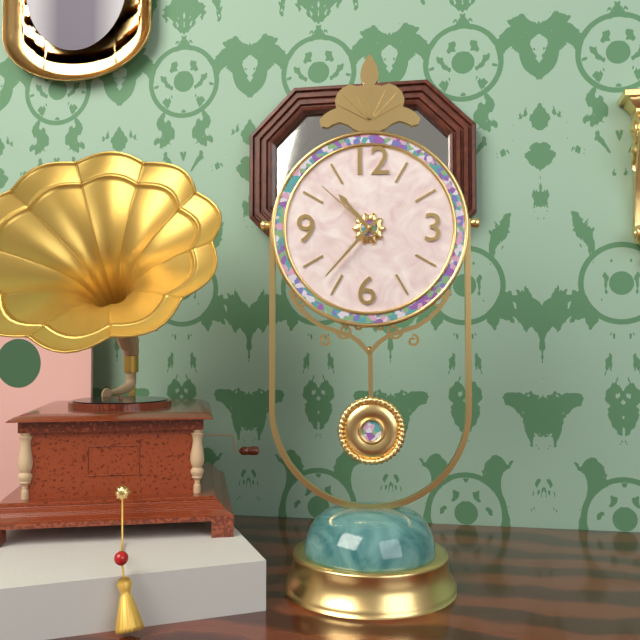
10.37.52
